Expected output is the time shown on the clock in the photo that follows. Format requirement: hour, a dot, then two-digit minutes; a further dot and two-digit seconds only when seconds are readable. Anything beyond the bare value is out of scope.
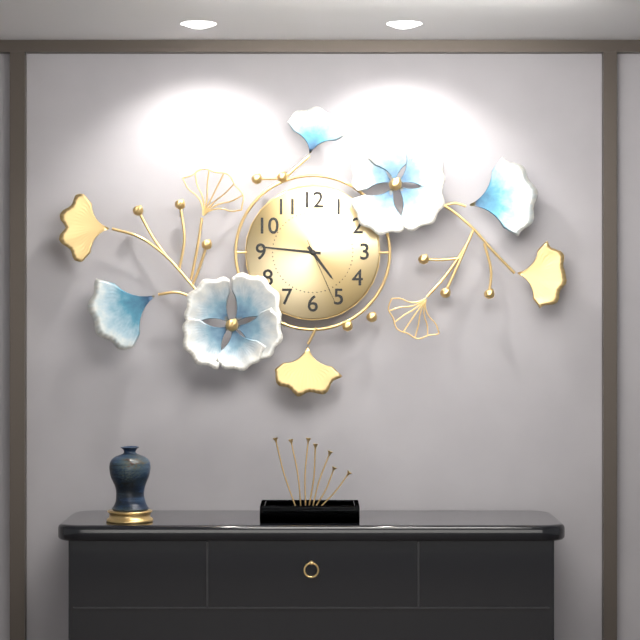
4.46.26
